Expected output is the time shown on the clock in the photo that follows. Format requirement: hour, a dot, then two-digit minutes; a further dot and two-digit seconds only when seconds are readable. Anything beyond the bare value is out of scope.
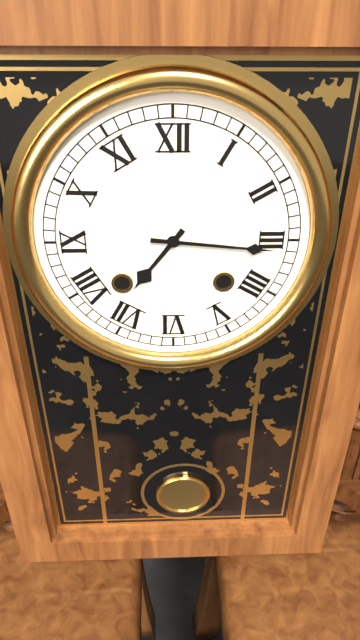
7.16
